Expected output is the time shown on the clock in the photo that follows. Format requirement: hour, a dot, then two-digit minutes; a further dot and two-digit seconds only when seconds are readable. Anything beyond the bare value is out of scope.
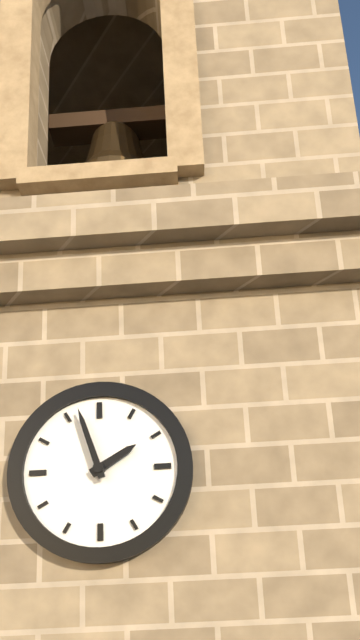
1.57
